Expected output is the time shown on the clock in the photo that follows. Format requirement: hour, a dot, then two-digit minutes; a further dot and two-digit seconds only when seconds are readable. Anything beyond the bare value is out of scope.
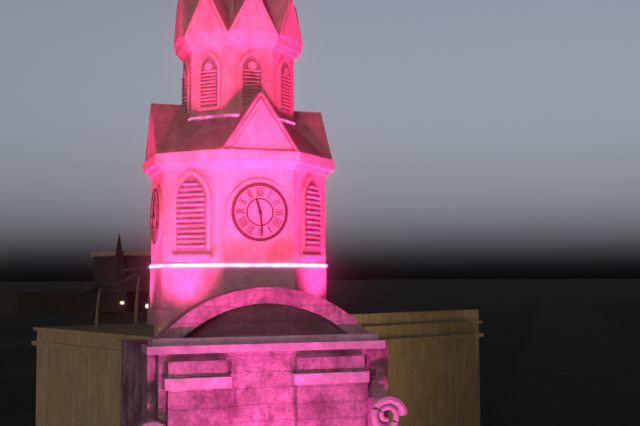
11.29
